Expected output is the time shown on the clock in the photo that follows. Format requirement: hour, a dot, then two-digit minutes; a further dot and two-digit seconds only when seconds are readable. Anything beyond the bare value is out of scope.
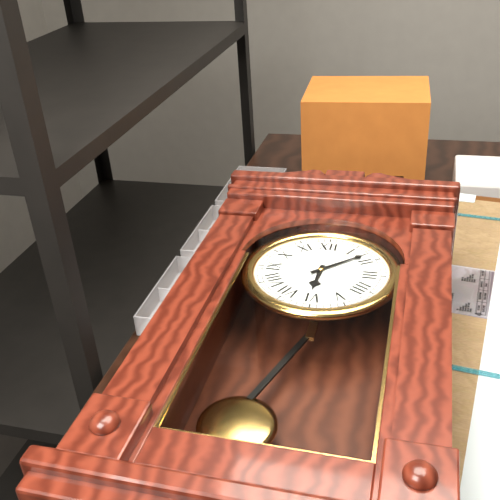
6.08
